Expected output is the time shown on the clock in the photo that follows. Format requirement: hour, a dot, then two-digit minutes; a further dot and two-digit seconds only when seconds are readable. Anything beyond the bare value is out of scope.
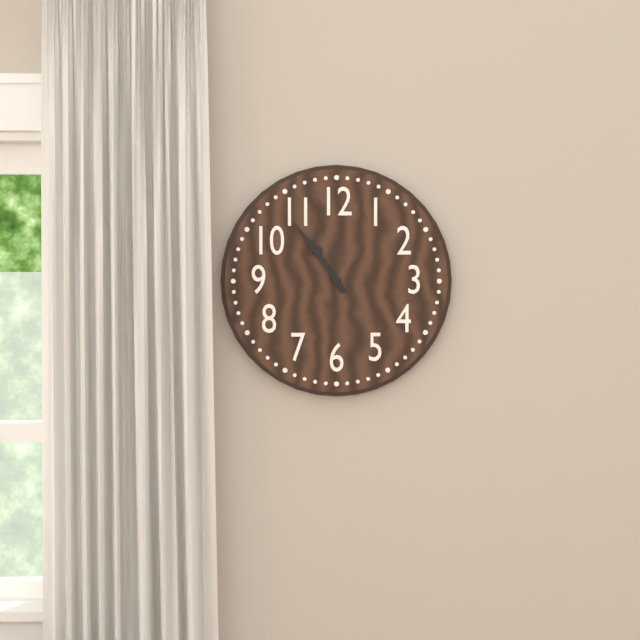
10.54
